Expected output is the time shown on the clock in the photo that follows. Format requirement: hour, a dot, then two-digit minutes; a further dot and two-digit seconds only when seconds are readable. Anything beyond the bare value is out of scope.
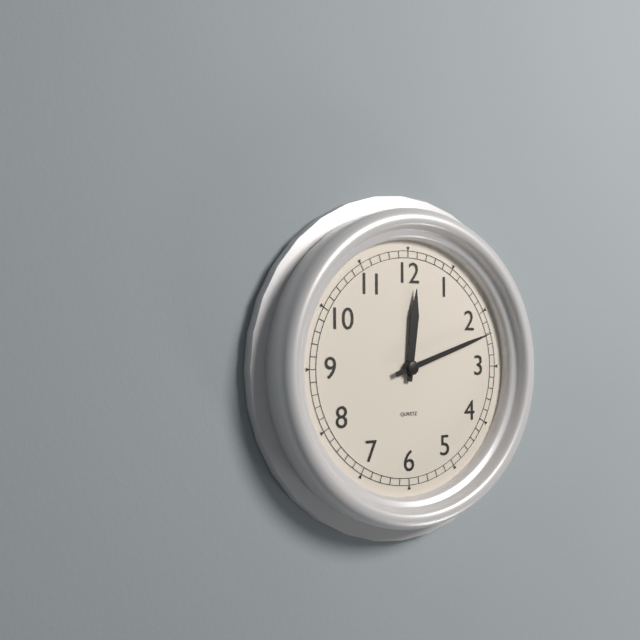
12.12
